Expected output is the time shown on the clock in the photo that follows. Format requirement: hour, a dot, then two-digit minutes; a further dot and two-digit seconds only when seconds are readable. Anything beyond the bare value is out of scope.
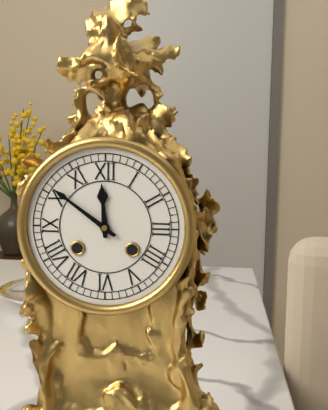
11.51
